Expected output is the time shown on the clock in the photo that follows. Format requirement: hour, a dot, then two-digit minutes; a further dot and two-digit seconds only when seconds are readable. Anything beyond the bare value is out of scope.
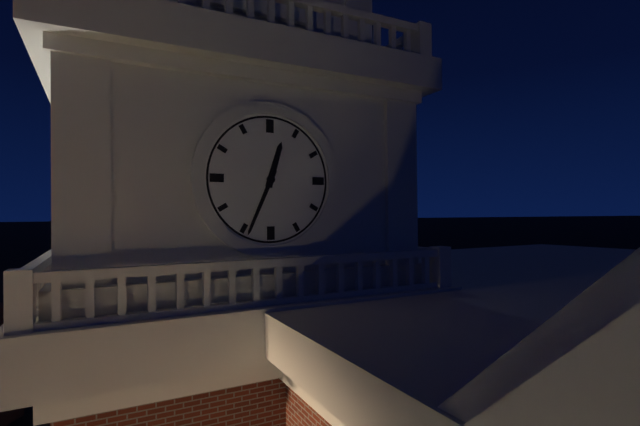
12.34
